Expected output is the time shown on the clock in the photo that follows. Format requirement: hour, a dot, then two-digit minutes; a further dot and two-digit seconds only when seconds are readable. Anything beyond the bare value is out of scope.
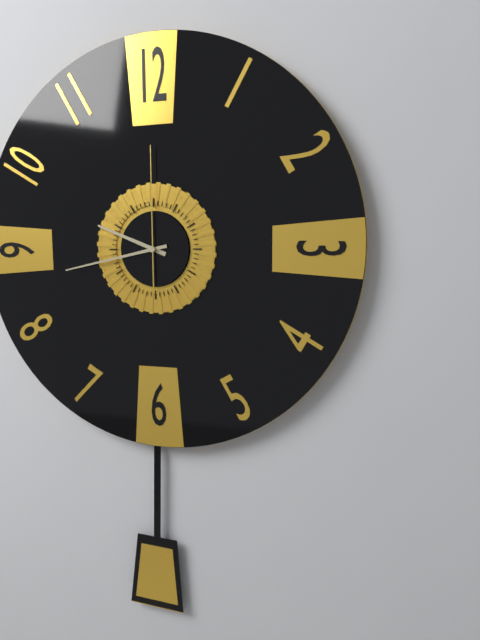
9.43.00
